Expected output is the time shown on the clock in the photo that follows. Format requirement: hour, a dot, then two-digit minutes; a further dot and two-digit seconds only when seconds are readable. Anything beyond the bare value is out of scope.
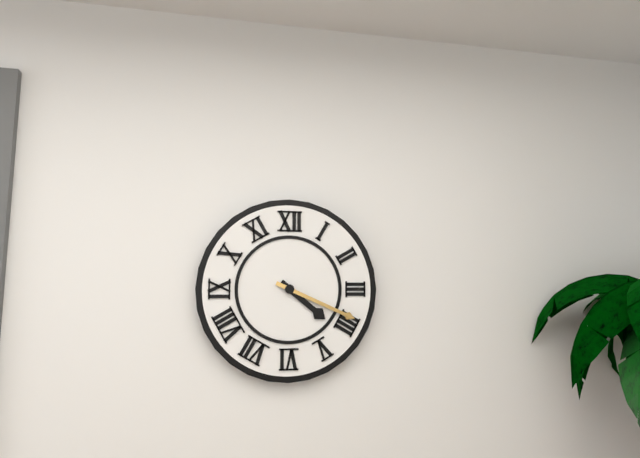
4.19
